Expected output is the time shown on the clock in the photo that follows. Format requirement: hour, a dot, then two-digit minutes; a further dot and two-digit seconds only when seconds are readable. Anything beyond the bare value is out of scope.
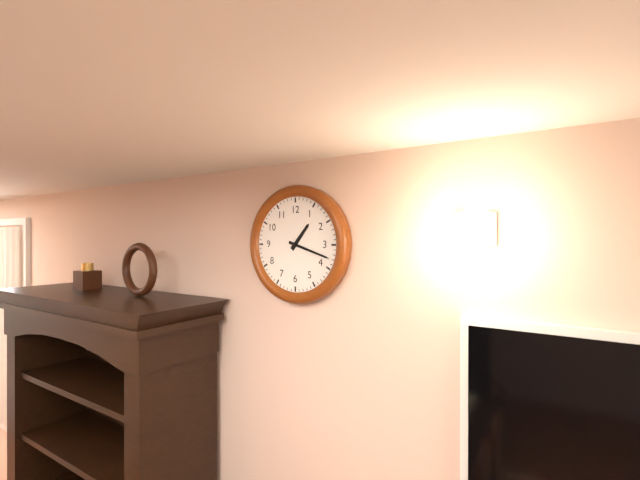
1.18
